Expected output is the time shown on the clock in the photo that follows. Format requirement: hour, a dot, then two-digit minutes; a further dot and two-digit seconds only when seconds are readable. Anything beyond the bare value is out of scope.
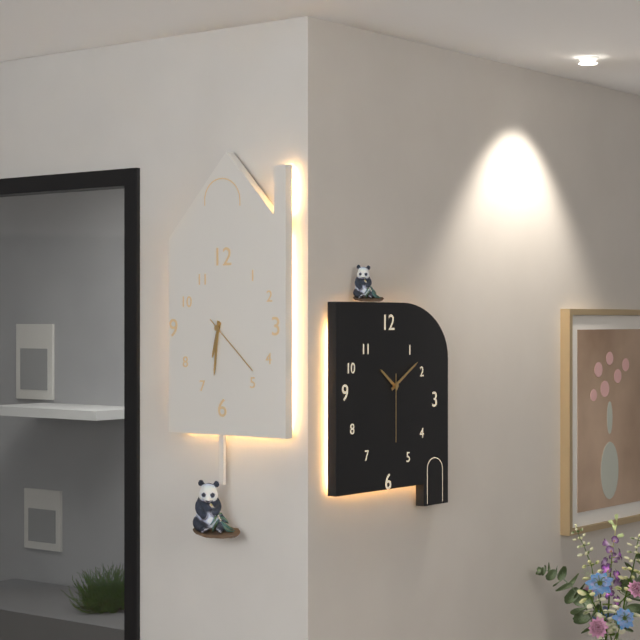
6.31.22
